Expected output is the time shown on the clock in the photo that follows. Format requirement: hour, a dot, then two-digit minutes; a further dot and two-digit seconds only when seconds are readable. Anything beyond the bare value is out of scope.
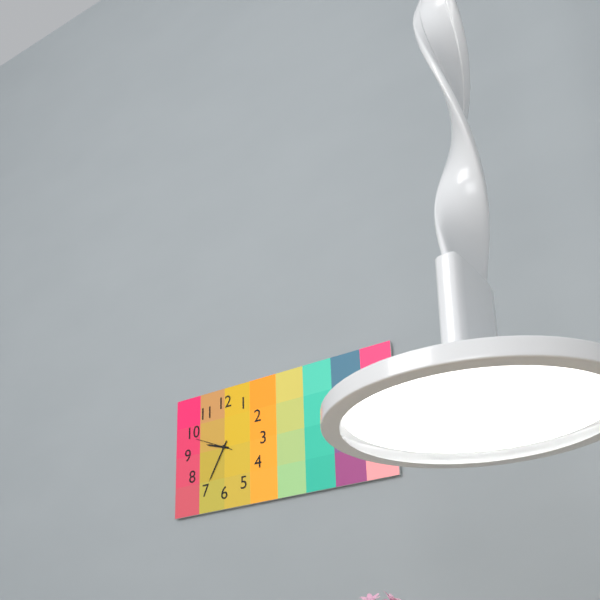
9.35
